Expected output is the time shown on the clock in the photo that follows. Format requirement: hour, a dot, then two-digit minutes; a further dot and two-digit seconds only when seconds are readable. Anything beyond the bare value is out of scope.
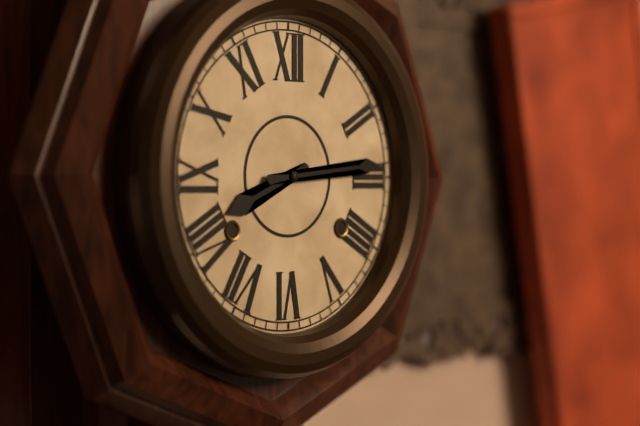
8.14
